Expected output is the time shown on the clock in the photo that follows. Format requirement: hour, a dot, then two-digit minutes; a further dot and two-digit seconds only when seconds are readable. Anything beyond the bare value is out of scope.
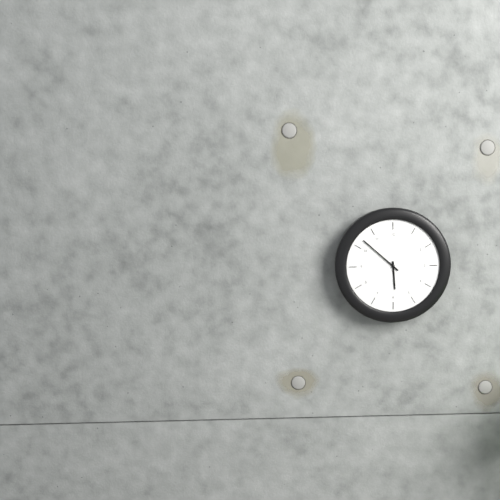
5.52
